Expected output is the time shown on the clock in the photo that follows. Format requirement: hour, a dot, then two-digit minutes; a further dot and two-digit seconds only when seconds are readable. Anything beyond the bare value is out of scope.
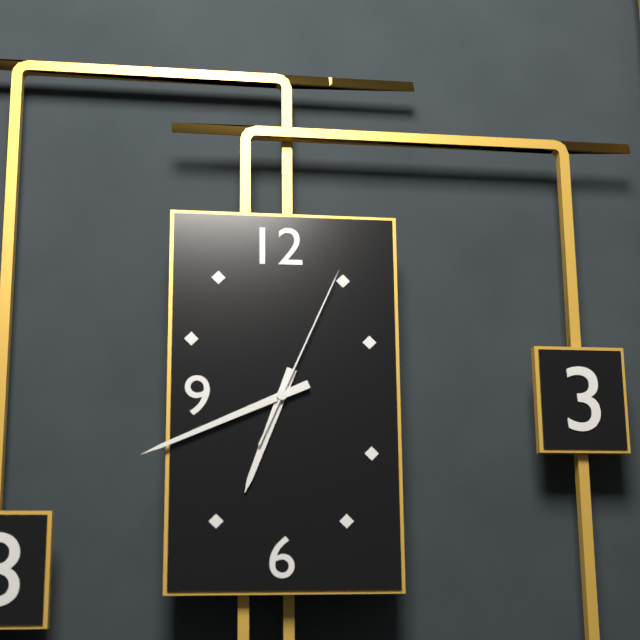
6.41.04
